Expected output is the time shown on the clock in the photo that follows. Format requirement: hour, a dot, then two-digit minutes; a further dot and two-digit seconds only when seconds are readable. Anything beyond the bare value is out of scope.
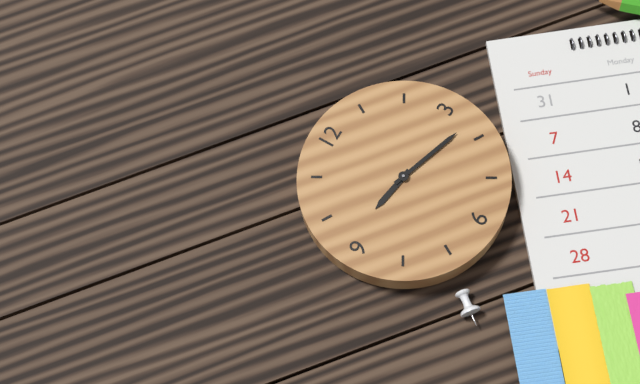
9.18
